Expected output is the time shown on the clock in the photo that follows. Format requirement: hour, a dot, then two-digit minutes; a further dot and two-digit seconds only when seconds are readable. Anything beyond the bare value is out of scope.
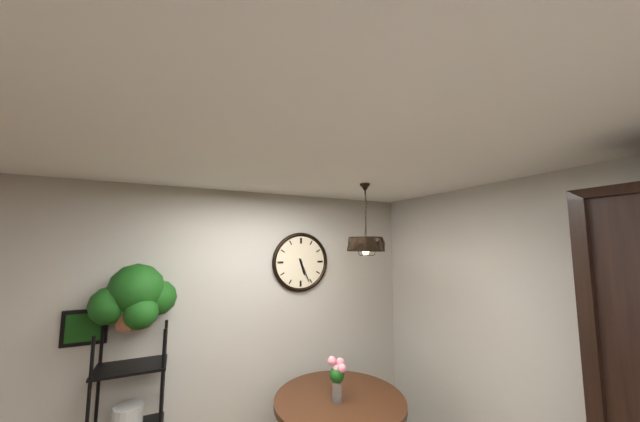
5.26
